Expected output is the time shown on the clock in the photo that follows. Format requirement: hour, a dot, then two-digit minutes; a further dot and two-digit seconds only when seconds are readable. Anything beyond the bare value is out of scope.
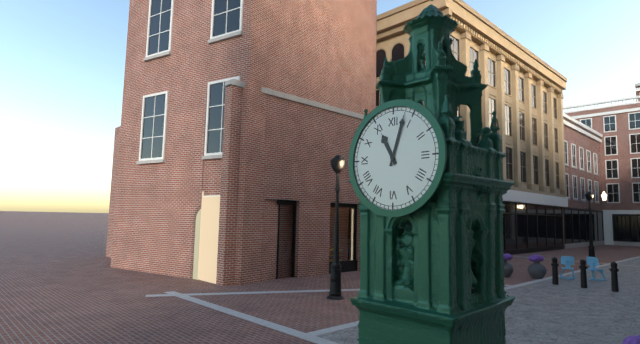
11.03
